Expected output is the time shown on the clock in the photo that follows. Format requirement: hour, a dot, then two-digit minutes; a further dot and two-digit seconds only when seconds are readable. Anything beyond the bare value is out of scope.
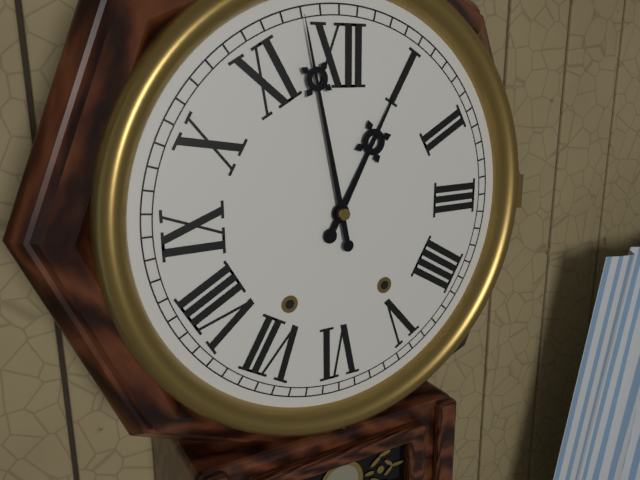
12.58
